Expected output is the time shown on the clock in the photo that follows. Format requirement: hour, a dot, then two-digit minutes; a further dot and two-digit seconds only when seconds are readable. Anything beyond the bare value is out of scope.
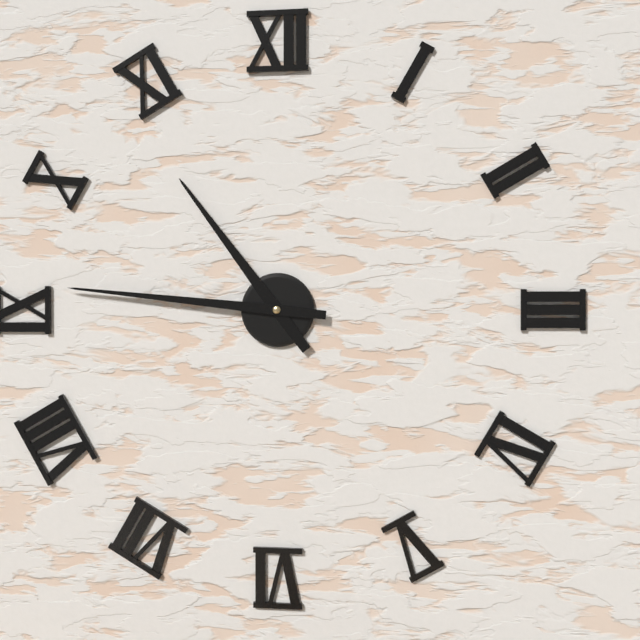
10.46
